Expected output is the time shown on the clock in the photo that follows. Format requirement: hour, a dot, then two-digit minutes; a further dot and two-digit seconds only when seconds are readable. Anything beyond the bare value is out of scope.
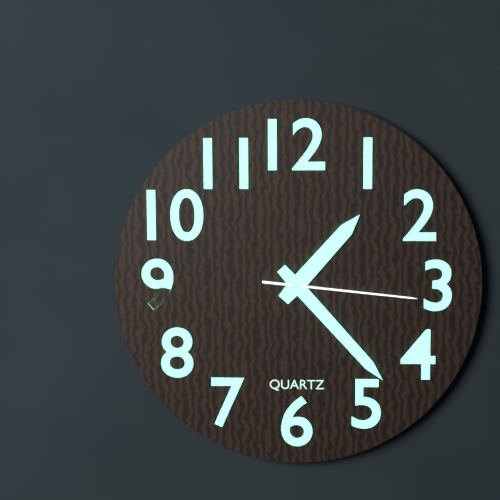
1.23.16
